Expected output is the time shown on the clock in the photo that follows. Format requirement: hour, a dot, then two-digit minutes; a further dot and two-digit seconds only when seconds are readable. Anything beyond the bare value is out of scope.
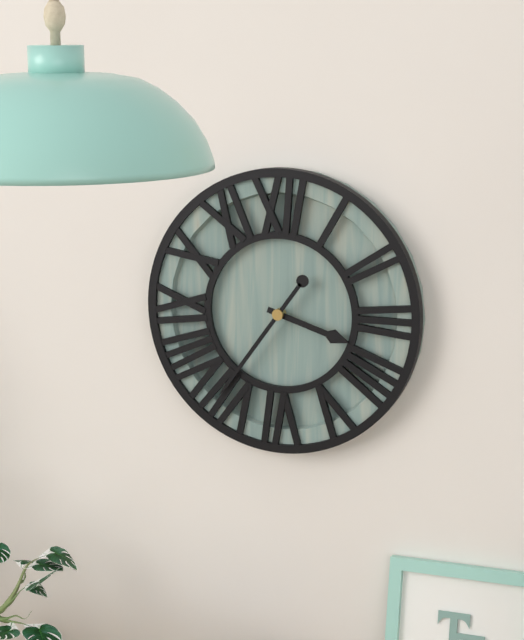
3.36
